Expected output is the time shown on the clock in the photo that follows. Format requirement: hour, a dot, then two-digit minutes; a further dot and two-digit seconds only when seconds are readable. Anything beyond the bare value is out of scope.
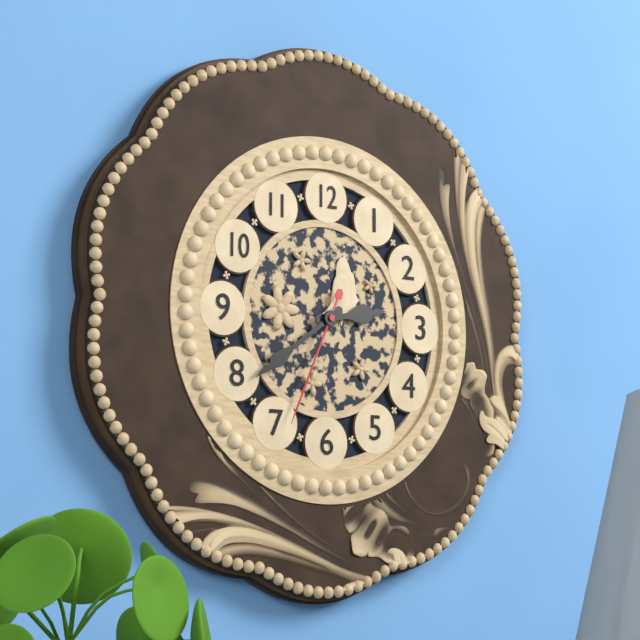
2.39.34
